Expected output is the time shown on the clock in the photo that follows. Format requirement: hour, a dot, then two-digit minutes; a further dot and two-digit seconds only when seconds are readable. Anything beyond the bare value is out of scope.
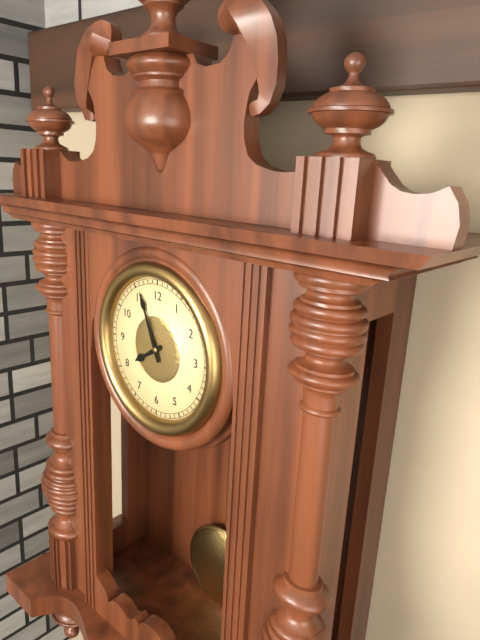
7.56
